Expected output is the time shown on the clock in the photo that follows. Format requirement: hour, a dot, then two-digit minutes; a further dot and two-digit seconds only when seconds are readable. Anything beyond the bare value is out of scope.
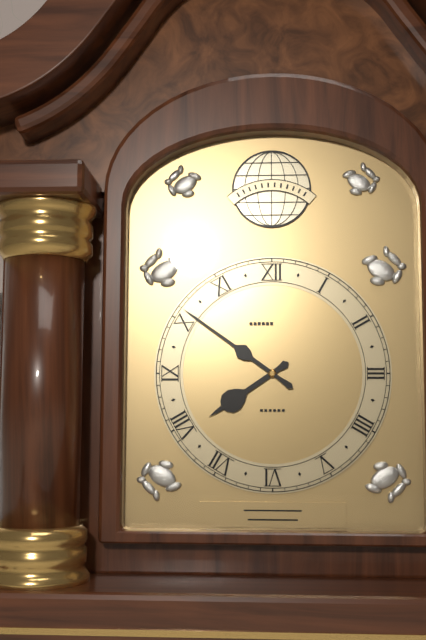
7.51
